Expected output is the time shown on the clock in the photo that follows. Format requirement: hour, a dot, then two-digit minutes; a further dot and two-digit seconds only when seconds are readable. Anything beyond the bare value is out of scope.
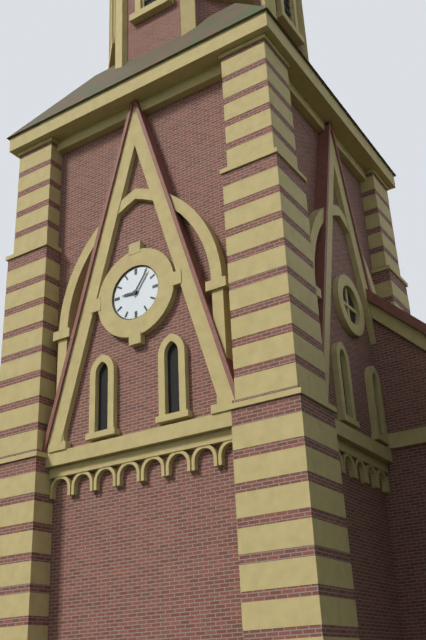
9.06
